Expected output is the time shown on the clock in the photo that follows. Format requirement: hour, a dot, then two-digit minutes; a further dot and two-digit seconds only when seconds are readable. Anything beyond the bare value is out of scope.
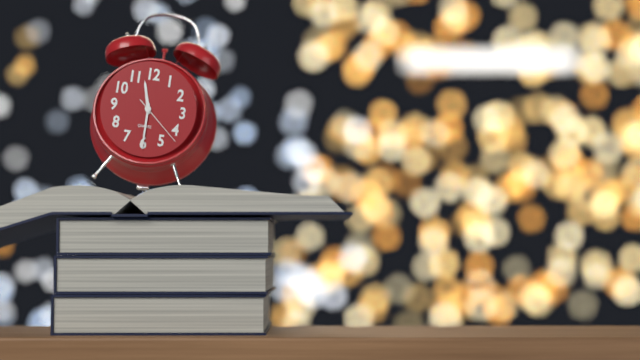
11.30.22
